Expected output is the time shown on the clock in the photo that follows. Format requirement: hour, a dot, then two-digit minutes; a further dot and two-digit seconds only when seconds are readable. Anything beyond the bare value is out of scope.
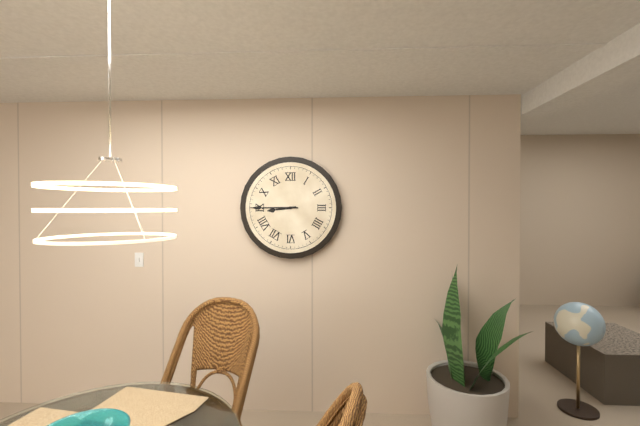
8.45
